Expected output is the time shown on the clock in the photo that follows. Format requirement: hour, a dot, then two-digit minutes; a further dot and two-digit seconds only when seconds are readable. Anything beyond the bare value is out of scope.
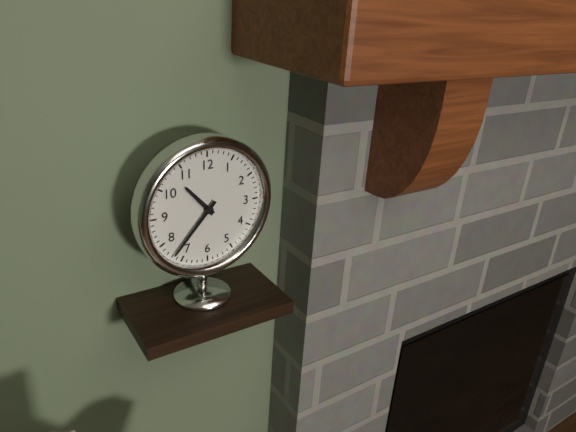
10.37
